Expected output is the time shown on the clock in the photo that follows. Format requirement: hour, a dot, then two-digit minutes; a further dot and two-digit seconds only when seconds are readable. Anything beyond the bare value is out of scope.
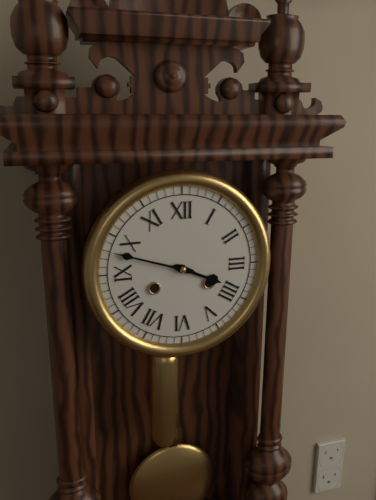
3.48
